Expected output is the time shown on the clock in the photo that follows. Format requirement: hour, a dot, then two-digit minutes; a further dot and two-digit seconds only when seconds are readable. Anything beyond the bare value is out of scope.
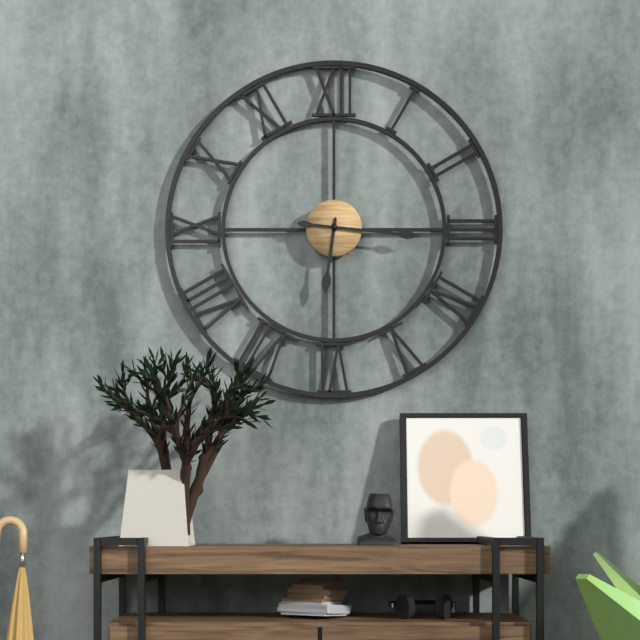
6.16
